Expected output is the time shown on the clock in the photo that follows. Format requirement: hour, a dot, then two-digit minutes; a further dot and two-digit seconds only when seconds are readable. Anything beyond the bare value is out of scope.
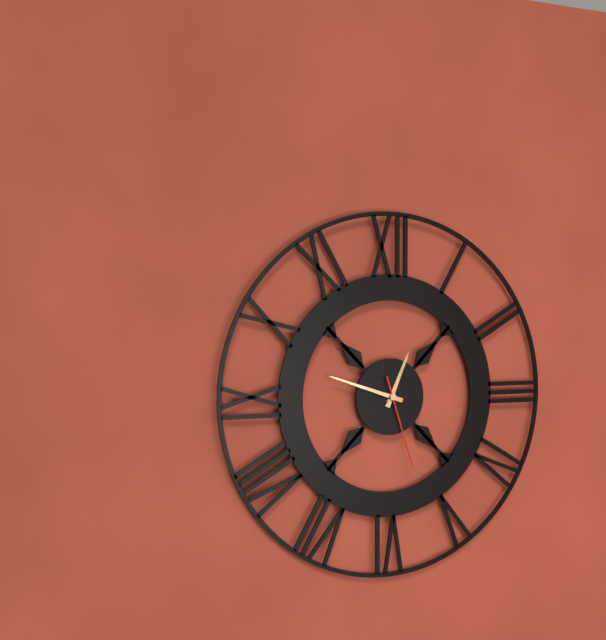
12.48.27
